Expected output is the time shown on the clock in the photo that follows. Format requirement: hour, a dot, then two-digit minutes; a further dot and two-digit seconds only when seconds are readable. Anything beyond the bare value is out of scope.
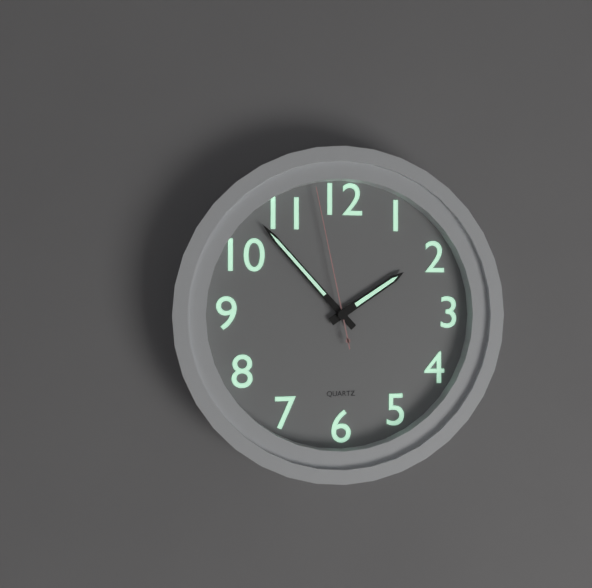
1.53.58
